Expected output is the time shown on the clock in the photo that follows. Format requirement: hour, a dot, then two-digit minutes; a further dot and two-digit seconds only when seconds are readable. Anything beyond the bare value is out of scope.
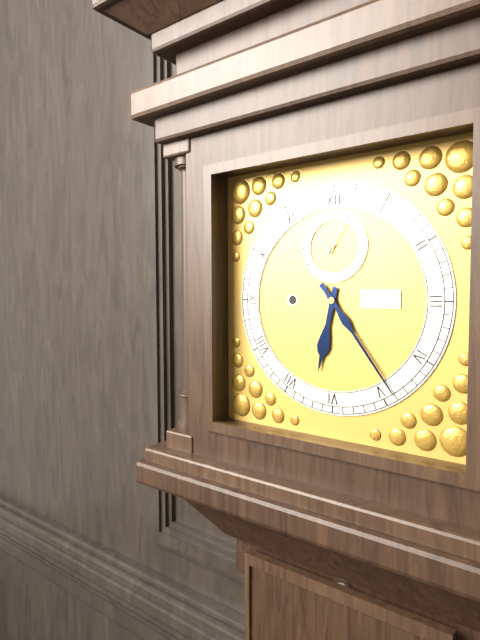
6.24
